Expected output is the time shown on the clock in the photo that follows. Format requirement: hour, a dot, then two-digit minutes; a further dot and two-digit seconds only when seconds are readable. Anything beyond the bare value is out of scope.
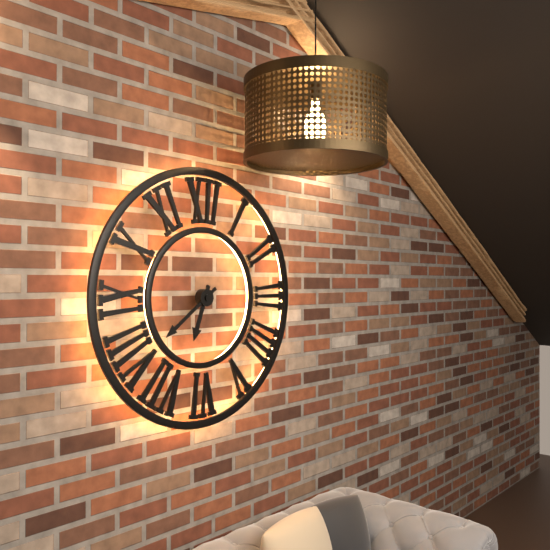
6.39
